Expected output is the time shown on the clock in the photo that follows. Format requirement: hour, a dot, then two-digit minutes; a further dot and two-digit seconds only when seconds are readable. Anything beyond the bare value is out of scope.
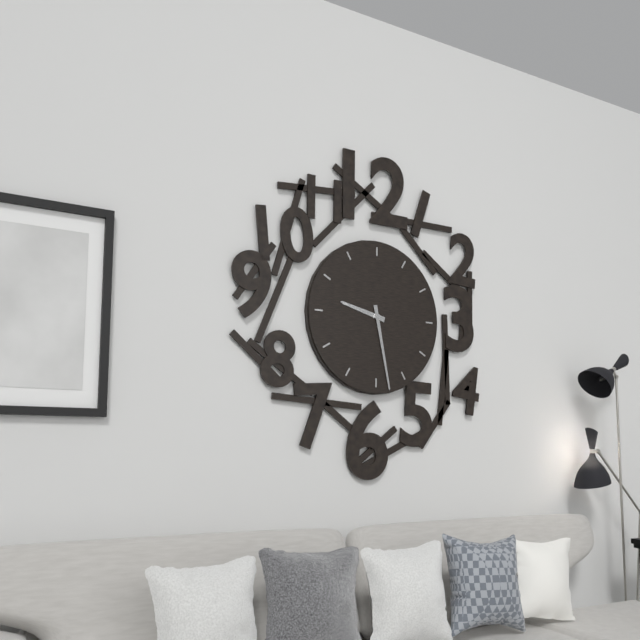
9.28
